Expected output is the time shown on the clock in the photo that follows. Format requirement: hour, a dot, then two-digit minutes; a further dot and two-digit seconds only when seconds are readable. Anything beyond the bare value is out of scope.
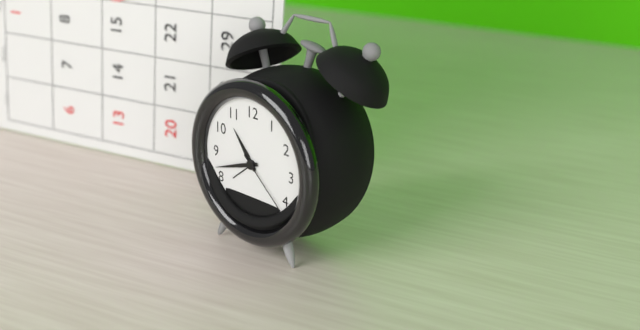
10.42.22
